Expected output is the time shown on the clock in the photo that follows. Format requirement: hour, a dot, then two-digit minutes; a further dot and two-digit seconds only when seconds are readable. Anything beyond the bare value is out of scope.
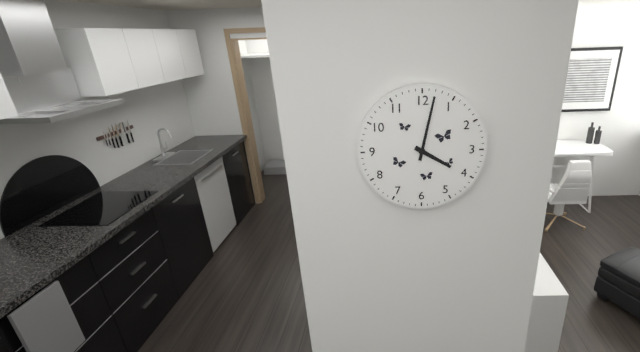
4.02
